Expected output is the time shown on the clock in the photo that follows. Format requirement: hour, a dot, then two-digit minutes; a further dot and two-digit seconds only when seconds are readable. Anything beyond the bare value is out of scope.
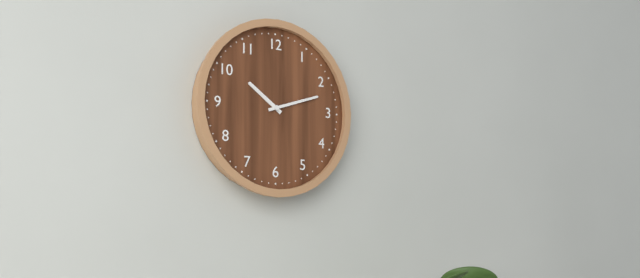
10.12
